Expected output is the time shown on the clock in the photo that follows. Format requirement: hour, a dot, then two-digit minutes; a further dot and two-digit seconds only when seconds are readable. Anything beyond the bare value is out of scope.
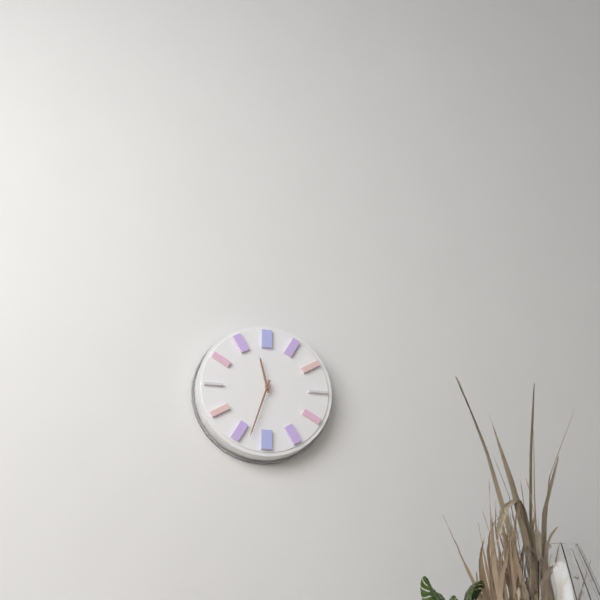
11.33
